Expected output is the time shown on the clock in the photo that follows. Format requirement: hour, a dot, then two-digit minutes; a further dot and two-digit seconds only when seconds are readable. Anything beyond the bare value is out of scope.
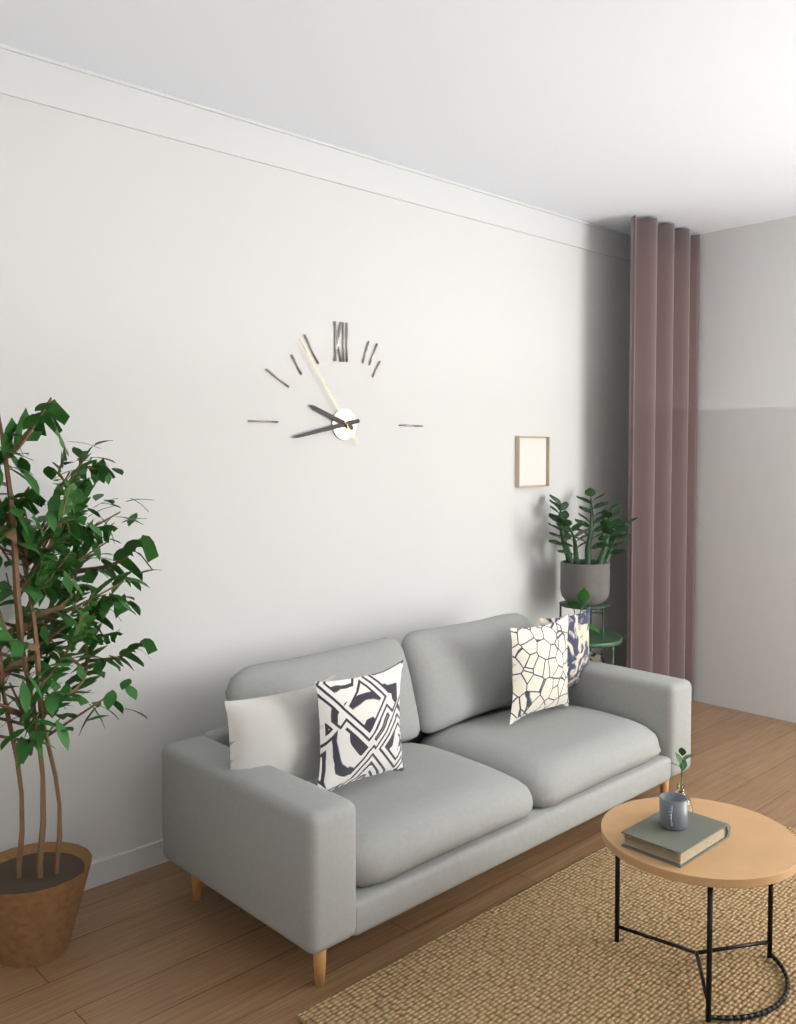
9.43.54
